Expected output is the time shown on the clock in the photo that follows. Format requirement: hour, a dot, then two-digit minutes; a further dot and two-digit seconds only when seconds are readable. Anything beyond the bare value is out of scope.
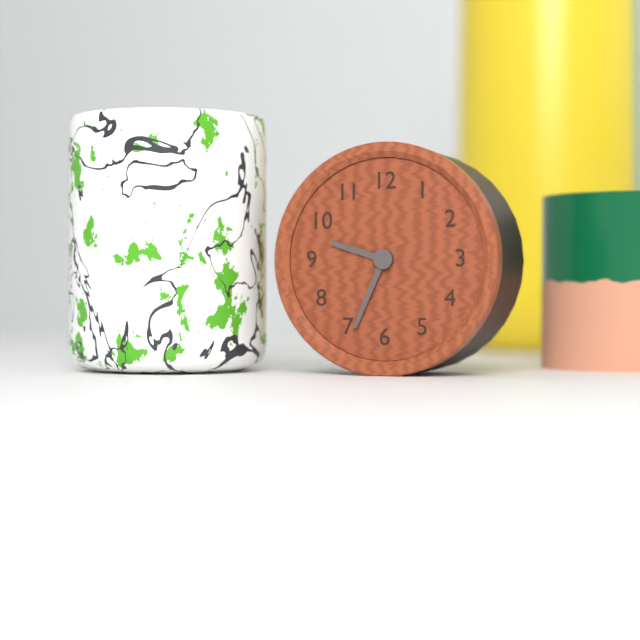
9.34
